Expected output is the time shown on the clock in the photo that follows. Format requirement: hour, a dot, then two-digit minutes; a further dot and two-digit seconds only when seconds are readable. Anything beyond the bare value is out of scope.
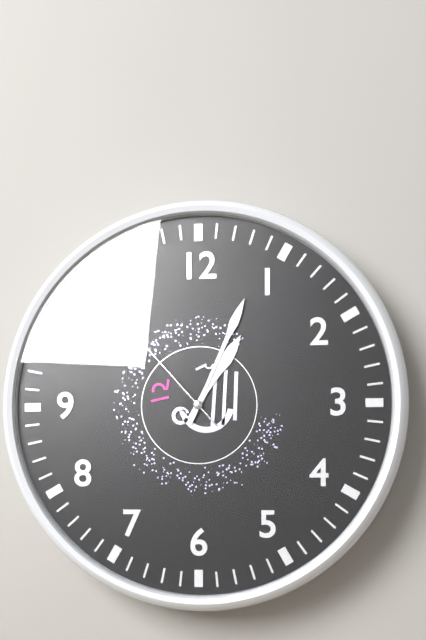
1.04.53
